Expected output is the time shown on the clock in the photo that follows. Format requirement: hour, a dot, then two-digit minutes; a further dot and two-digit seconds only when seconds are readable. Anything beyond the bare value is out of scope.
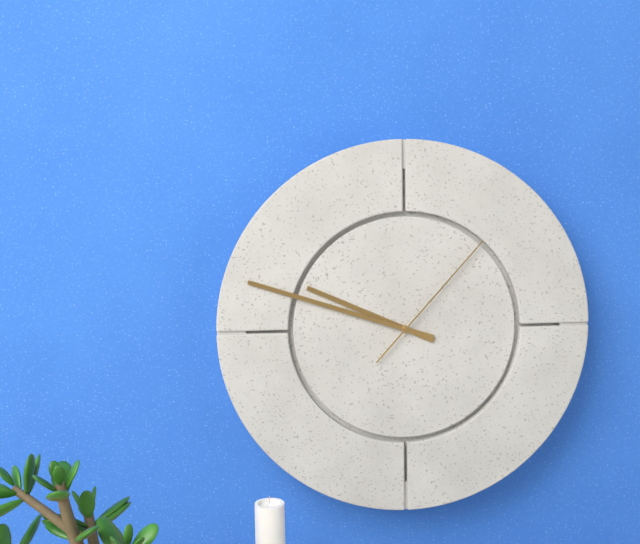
9.48.07
